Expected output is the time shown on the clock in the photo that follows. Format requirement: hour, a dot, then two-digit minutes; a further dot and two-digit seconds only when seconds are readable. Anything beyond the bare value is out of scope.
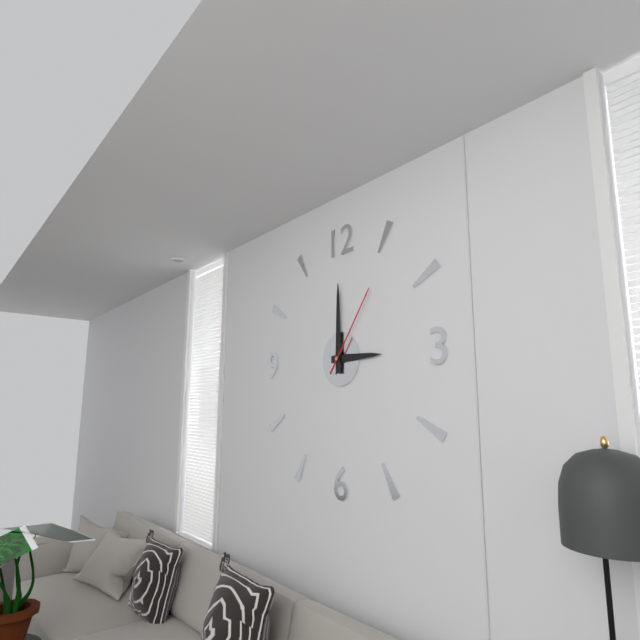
3.00.06
